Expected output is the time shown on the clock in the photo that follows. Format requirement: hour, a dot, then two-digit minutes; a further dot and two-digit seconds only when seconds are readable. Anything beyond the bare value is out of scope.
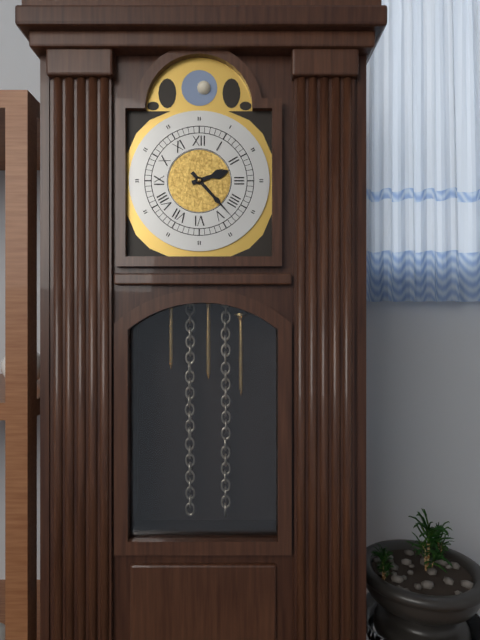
2.23
